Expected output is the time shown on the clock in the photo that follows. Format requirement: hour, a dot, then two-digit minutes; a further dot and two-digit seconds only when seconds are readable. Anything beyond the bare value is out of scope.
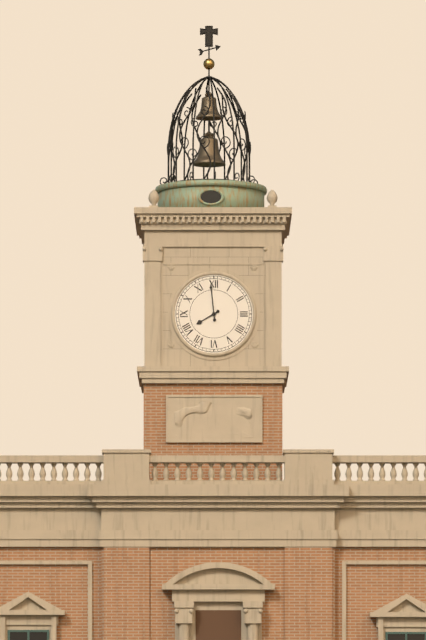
7.59
